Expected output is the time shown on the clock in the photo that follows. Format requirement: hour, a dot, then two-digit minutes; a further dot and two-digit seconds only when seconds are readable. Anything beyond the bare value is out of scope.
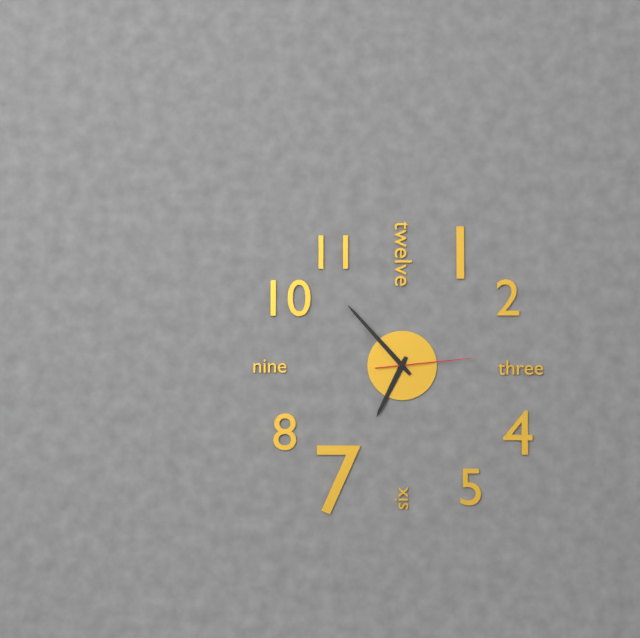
6.53.14
